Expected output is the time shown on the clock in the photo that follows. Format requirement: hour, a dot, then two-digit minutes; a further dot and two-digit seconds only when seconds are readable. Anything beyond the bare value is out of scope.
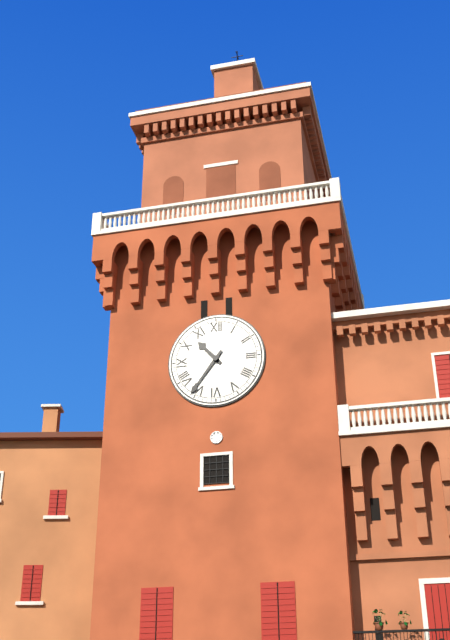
10.36
